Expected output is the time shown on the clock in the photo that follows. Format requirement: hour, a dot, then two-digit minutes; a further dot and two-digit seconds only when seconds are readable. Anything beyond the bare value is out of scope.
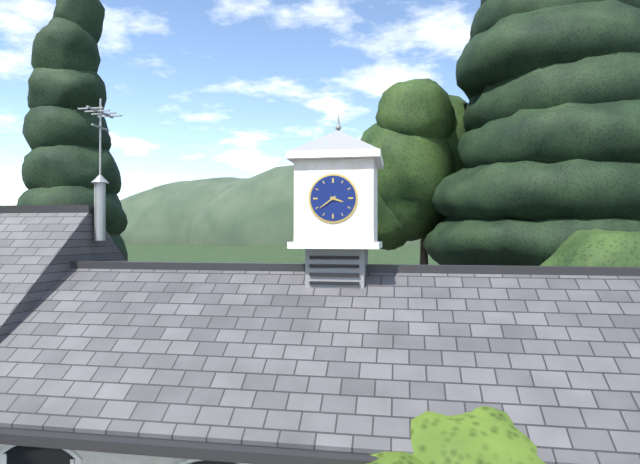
3.39
